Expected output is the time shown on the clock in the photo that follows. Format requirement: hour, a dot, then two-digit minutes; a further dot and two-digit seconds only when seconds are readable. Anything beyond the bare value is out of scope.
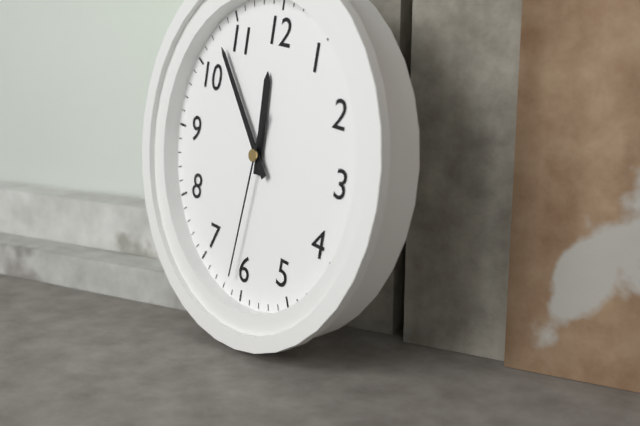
11.53.31
